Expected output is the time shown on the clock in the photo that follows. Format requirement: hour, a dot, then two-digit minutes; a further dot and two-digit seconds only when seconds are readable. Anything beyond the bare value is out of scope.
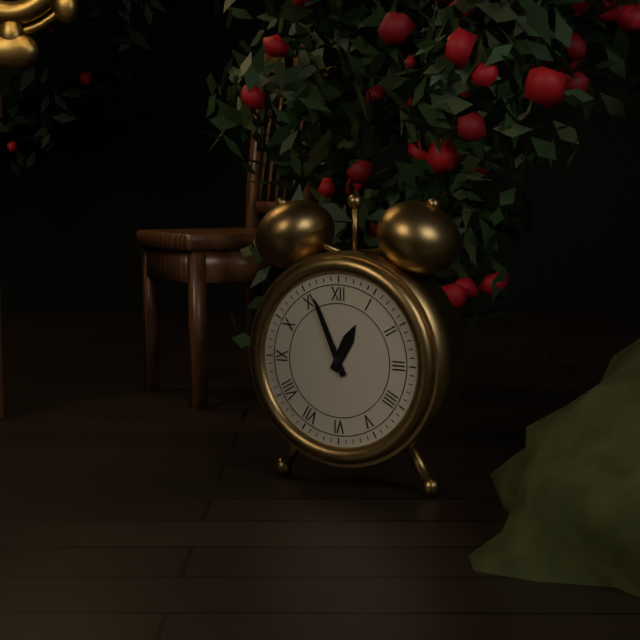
12.56
